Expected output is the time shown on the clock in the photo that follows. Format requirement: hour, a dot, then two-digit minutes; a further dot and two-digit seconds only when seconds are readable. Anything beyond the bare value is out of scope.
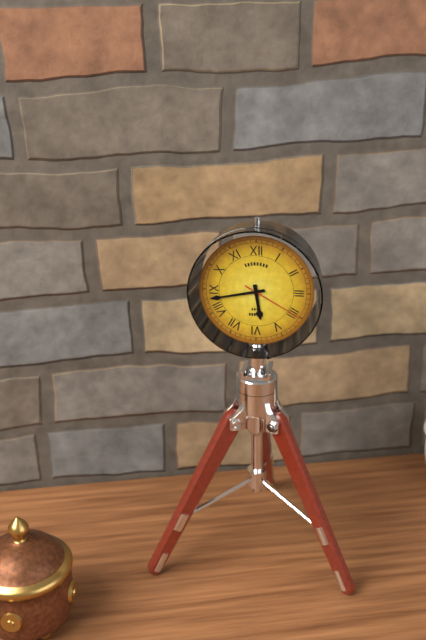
5.43.20
